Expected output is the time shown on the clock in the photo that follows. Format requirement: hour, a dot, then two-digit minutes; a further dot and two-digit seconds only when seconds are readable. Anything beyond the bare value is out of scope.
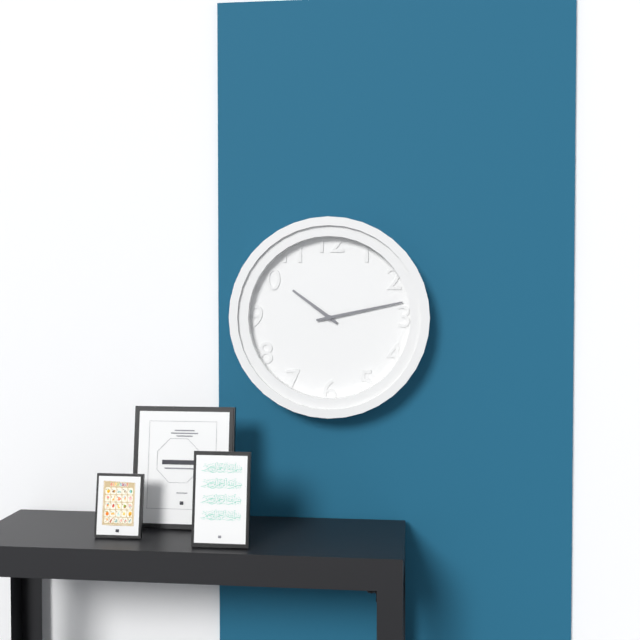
10.13
